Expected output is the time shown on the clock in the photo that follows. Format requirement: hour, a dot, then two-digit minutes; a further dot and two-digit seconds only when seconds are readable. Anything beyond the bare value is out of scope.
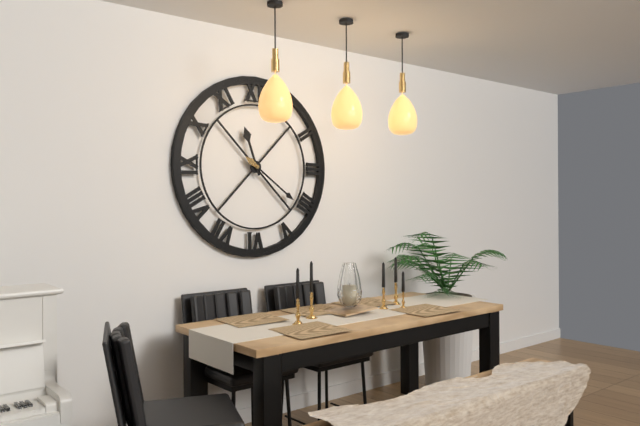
11.21
